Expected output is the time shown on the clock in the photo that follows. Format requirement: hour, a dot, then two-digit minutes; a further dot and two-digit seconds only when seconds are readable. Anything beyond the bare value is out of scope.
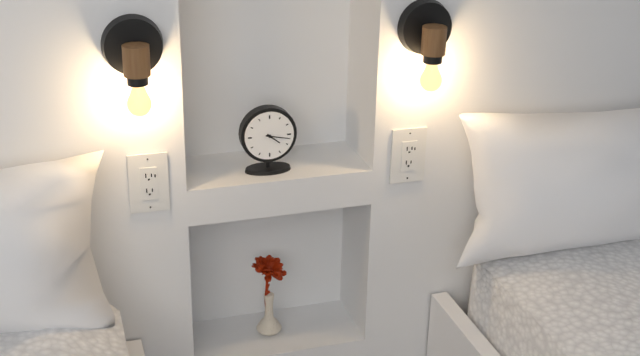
4.17
